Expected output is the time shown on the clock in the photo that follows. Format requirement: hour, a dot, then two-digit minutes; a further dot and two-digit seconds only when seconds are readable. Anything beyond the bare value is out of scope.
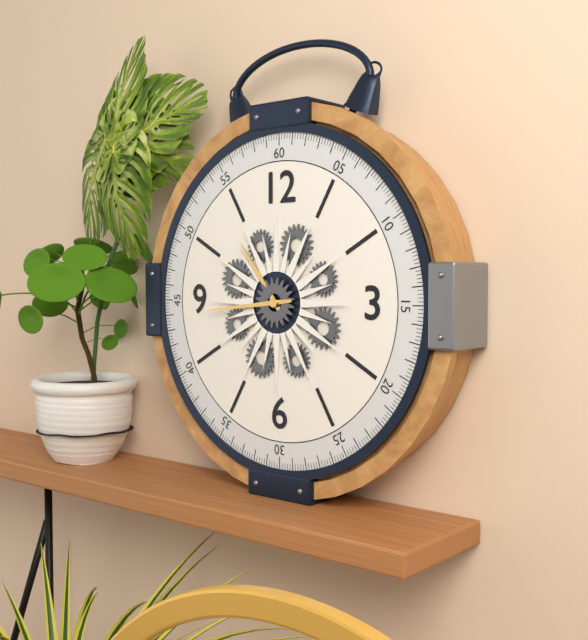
10.44
